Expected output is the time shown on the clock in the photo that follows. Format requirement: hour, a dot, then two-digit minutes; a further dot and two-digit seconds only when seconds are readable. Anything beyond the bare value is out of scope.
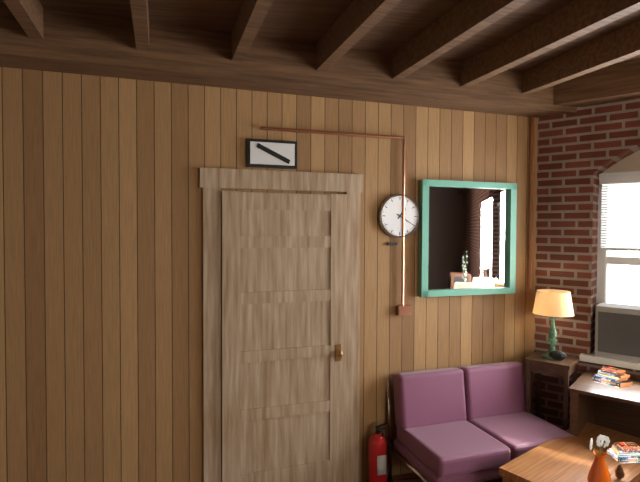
1.20
